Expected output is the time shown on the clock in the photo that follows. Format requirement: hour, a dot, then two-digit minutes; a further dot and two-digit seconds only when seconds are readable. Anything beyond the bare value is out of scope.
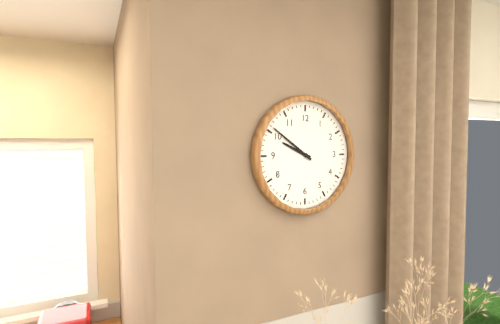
9.51
